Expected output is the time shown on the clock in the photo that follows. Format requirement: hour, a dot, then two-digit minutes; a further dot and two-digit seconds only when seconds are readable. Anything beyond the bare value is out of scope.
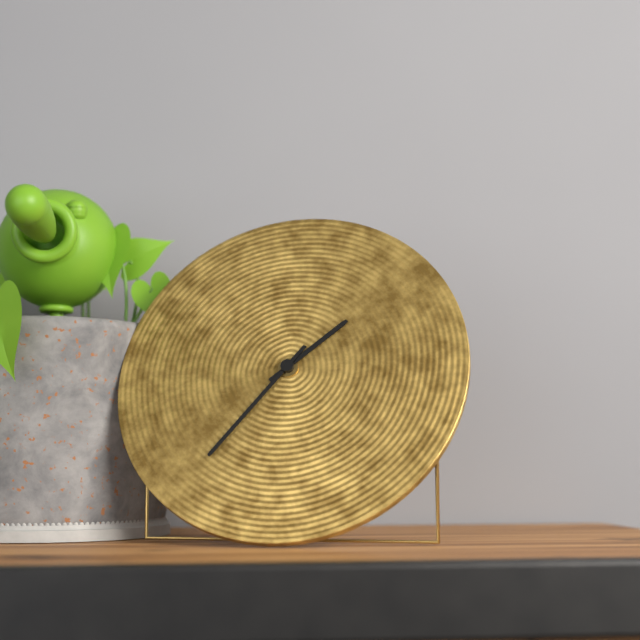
1.36
